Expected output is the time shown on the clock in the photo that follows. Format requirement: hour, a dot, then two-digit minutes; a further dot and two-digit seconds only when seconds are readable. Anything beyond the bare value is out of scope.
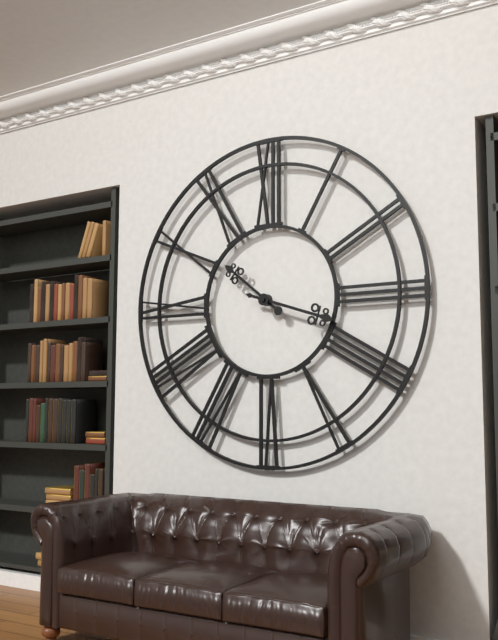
10.18
